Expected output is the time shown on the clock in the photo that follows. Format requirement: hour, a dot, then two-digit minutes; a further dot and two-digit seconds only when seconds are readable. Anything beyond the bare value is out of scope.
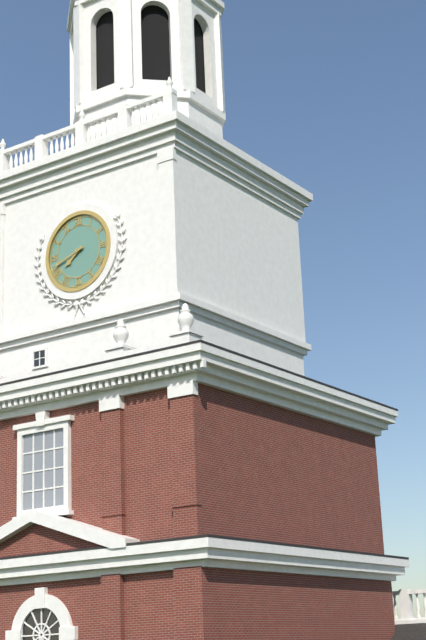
7.42
